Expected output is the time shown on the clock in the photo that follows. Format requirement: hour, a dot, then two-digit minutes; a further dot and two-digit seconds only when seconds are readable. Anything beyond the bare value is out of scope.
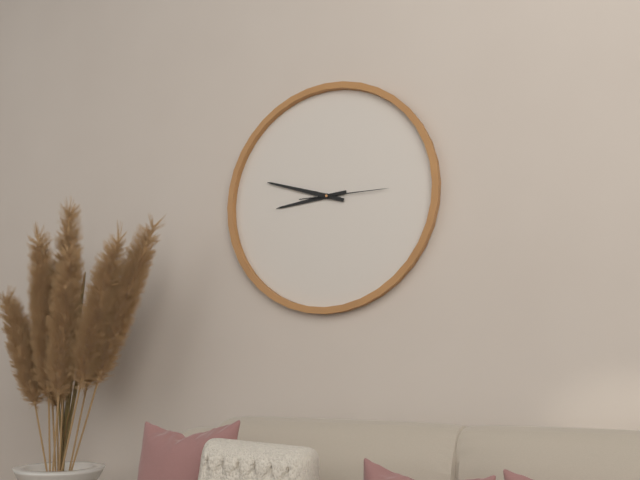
8.48.15
